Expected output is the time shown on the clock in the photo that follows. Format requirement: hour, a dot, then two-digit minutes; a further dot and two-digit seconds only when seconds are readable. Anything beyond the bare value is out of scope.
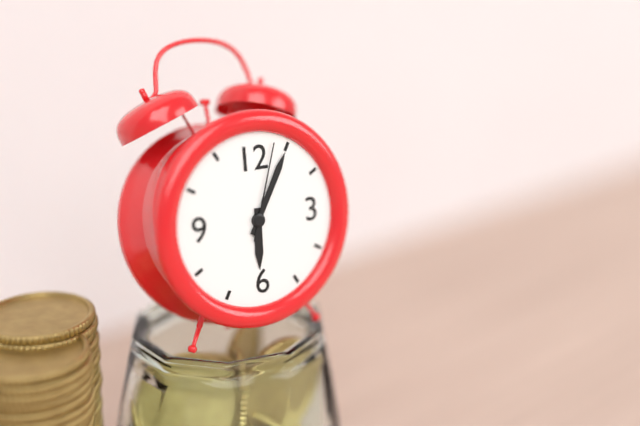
6.05.03
